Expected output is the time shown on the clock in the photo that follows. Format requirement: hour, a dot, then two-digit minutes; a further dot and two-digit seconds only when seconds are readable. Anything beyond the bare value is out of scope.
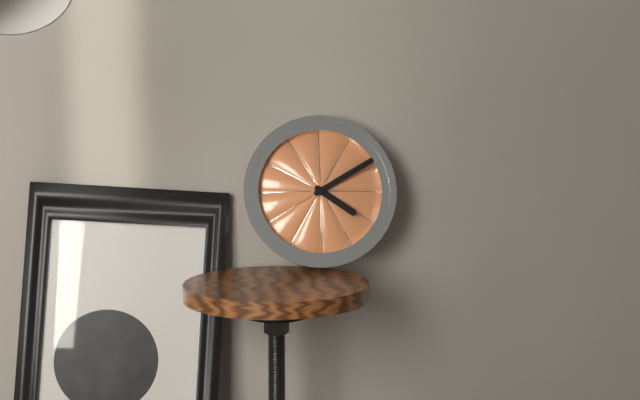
4.10
